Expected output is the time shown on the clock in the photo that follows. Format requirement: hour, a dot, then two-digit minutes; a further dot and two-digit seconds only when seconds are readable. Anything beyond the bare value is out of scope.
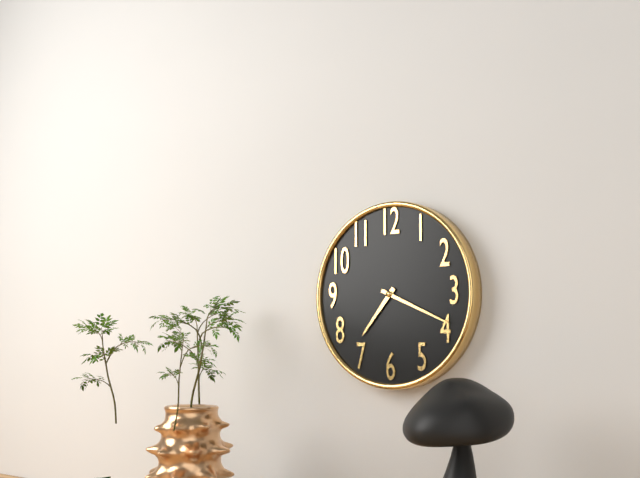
7.19
